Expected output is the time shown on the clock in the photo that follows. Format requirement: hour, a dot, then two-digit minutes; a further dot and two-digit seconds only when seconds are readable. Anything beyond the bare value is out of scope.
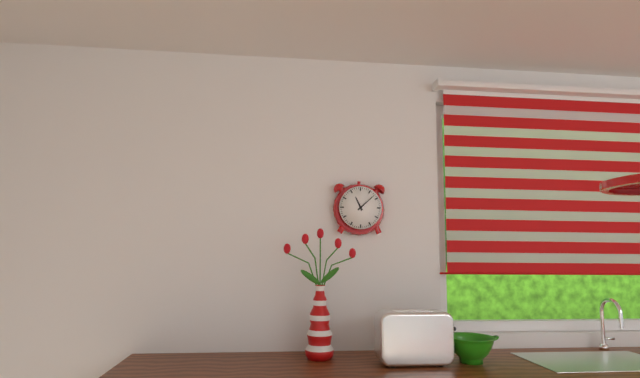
11.08
